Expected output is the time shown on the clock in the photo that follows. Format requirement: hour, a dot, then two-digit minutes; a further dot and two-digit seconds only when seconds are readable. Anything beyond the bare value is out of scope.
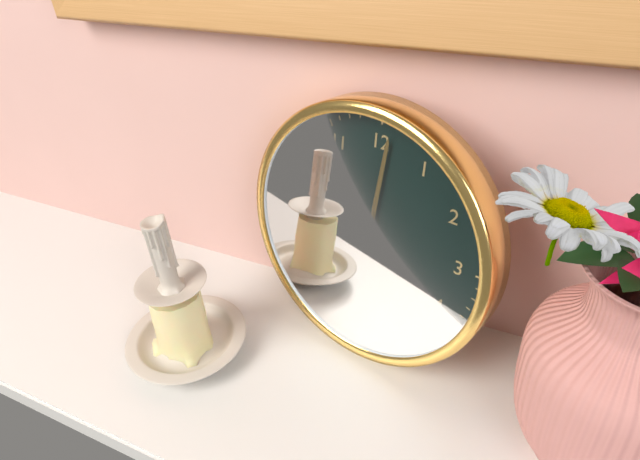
6.01.50
